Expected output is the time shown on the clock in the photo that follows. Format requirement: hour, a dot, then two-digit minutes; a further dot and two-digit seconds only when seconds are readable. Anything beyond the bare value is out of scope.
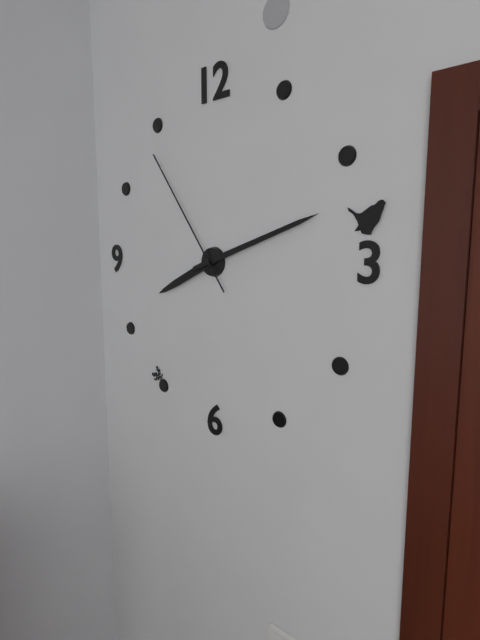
8.12.54
